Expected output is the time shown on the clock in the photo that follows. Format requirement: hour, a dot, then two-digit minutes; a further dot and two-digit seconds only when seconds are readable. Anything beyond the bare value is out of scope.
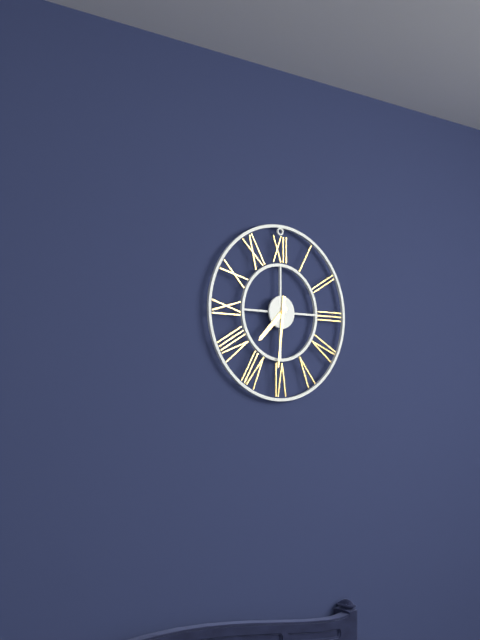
7.31
